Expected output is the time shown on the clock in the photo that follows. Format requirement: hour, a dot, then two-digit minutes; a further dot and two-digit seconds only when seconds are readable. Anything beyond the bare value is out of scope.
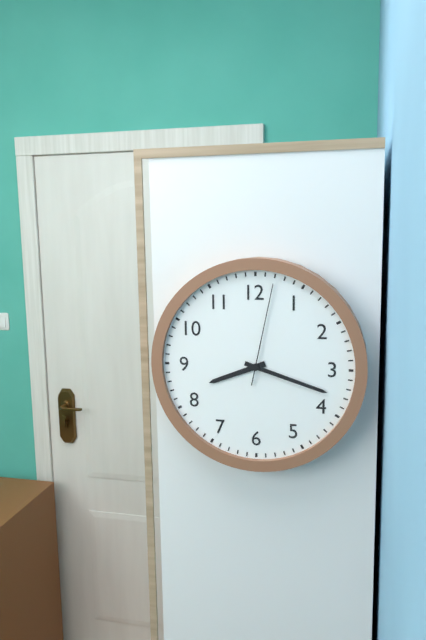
8.18.02
